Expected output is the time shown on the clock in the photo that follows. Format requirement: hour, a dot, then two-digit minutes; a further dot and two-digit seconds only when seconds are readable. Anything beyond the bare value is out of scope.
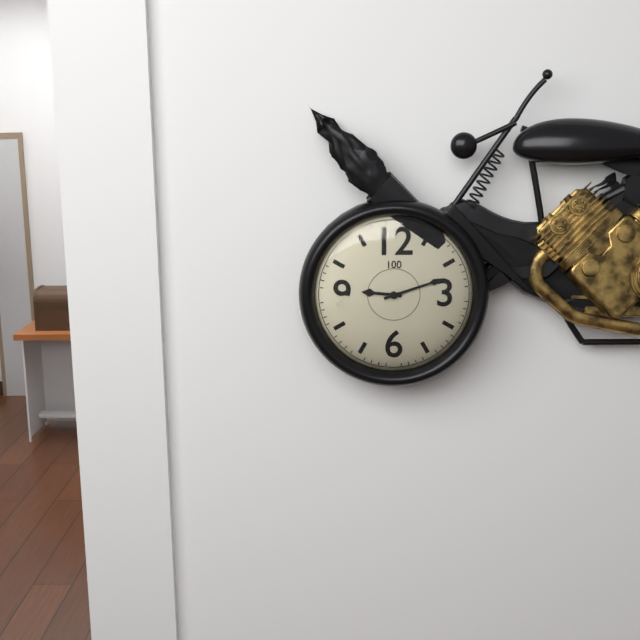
9.12
